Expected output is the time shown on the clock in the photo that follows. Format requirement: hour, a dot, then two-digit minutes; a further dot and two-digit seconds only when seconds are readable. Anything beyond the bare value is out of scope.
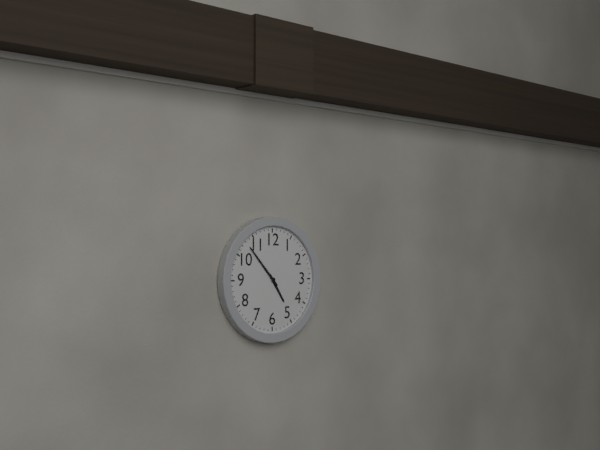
4.53
